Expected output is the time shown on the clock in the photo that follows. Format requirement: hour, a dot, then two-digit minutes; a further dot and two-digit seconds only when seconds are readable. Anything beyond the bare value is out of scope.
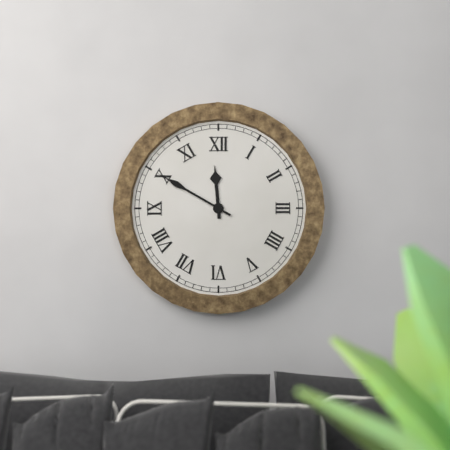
11.50
